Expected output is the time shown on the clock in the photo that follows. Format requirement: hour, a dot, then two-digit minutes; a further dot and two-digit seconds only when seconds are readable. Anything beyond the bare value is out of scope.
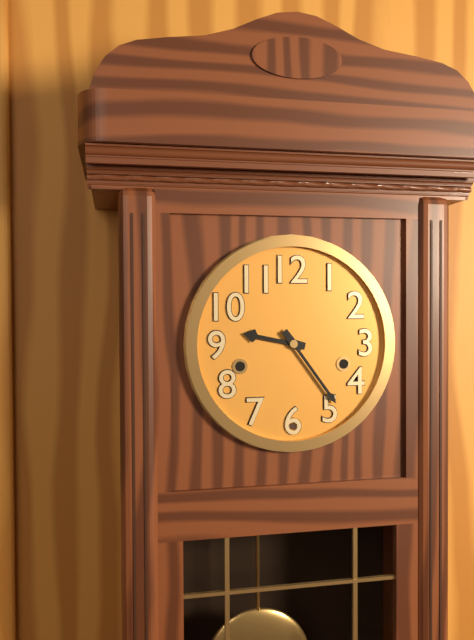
9.24
